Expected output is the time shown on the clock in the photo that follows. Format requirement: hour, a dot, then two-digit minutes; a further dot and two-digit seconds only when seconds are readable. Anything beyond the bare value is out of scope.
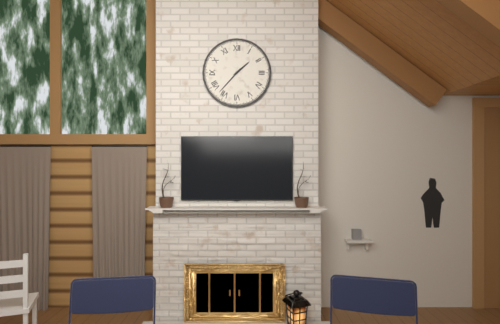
1.37
